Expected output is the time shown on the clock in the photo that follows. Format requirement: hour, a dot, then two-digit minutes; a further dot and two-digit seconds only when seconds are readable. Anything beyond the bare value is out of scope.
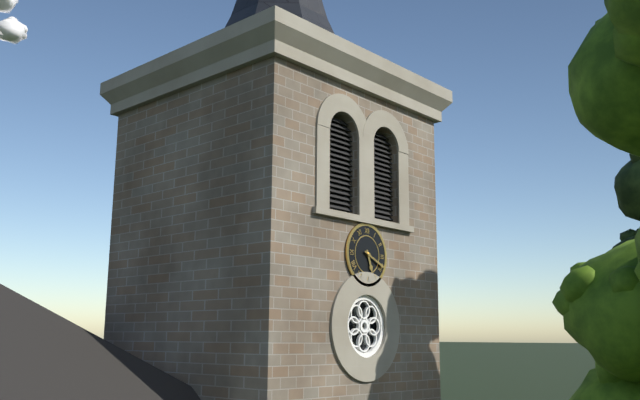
5.19
